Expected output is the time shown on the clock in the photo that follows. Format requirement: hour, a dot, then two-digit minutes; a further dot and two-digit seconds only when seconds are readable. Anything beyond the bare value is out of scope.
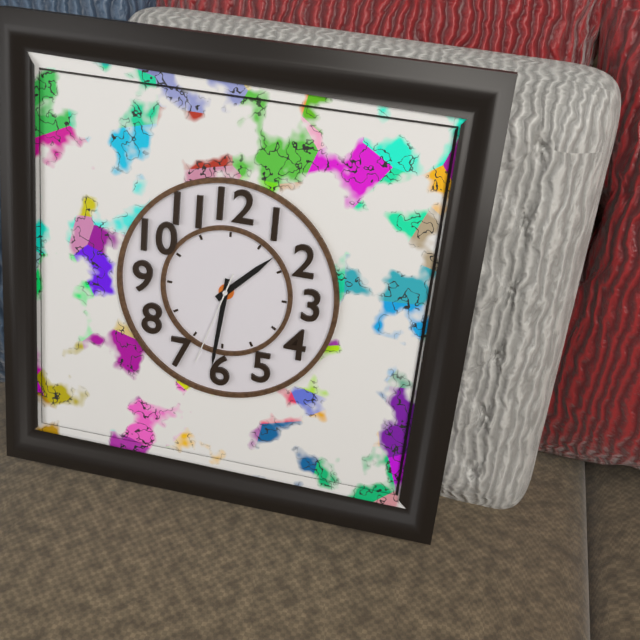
1.31.33
